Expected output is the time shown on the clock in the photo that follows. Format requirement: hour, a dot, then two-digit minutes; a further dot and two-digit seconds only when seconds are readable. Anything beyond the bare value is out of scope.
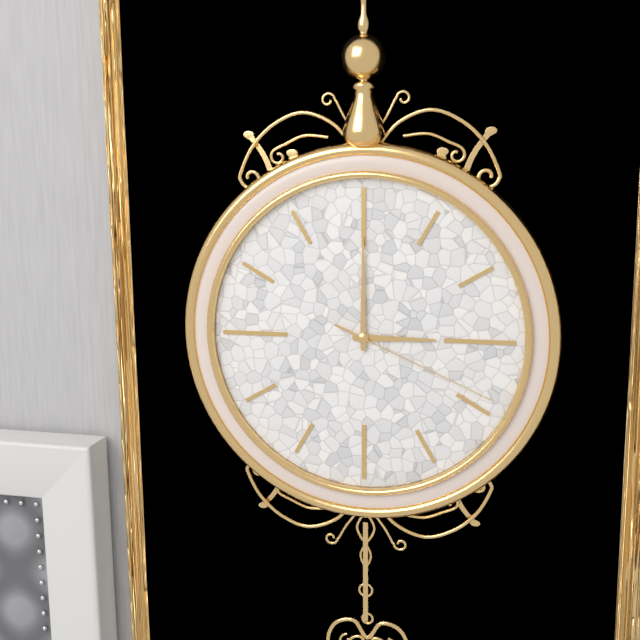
3.00.19
